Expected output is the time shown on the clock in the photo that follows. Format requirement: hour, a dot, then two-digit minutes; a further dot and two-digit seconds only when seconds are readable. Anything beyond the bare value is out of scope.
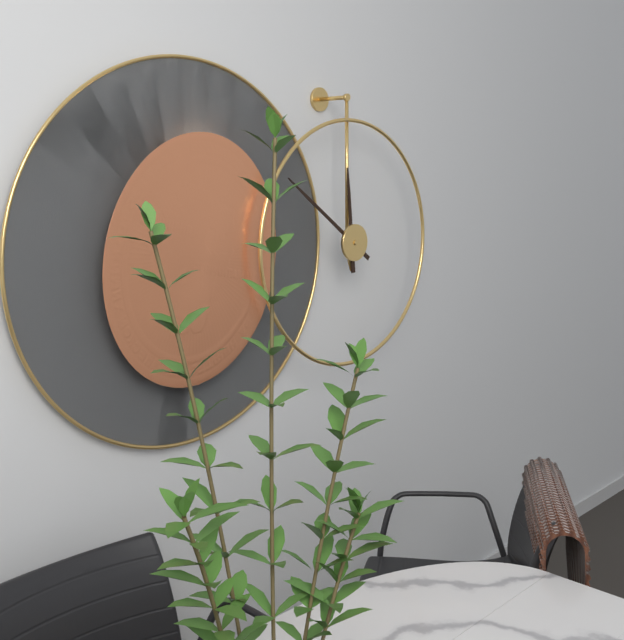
11.51
